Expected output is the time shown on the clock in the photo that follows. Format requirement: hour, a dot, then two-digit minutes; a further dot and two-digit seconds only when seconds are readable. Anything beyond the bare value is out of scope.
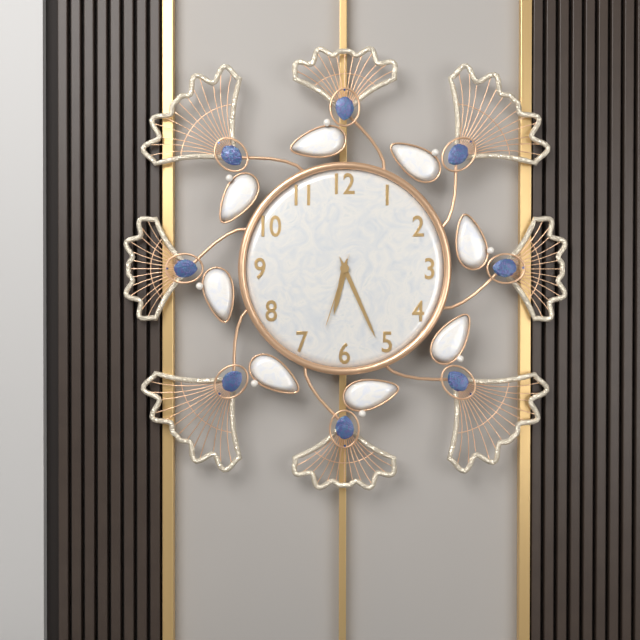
6.26.33
